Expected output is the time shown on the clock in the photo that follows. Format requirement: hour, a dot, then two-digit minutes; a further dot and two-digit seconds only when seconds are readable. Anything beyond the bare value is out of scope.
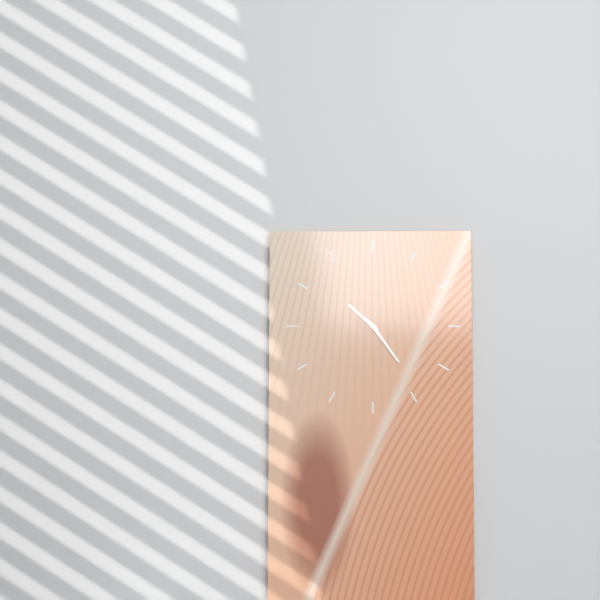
10.24
